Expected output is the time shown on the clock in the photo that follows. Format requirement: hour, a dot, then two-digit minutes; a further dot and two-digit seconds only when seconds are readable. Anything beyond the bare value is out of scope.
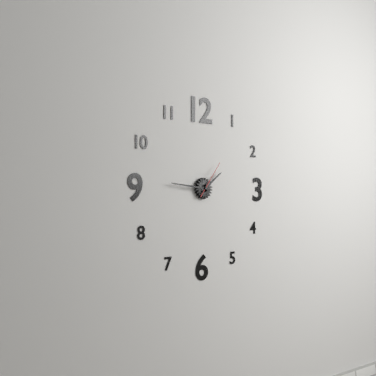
1.46
